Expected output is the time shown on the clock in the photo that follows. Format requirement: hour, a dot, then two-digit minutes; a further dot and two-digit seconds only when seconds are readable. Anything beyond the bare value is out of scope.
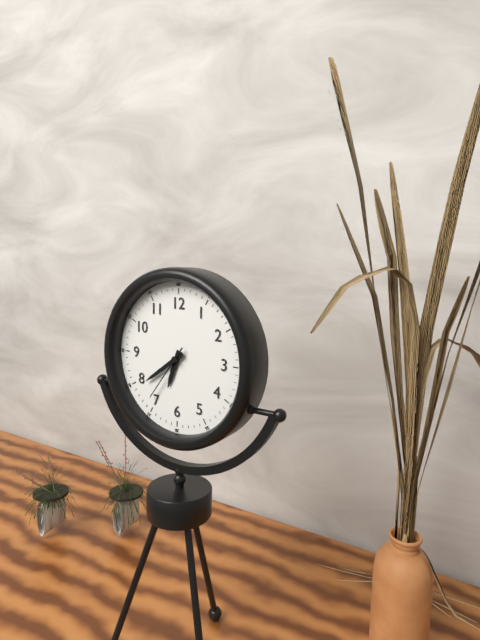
6.39.36
